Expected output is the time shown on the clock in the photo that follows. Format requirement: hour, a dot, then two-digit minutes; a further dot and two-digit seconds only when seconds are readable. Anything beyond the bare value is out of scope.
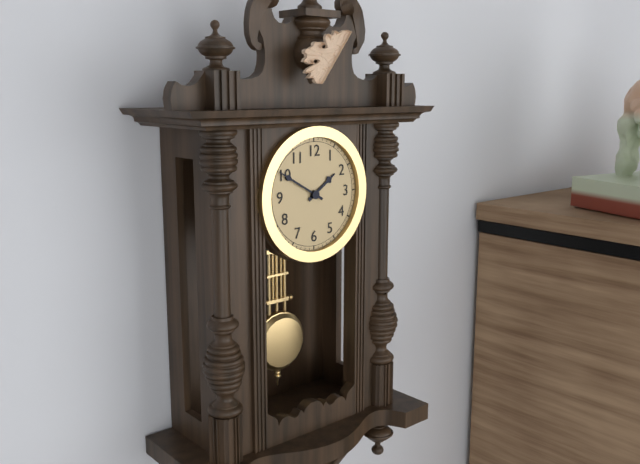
1.50
